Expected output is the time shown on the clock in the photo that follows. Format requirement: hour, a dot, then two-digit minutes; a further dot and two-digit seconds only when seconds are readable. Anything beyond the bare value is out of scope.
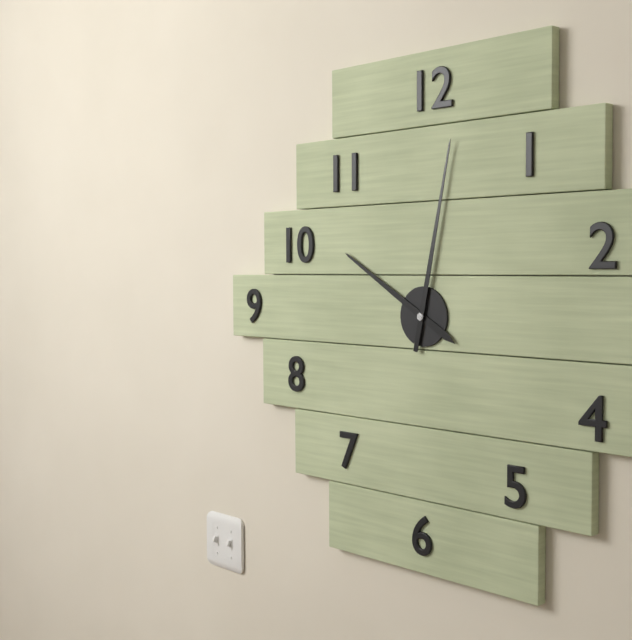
10.02
